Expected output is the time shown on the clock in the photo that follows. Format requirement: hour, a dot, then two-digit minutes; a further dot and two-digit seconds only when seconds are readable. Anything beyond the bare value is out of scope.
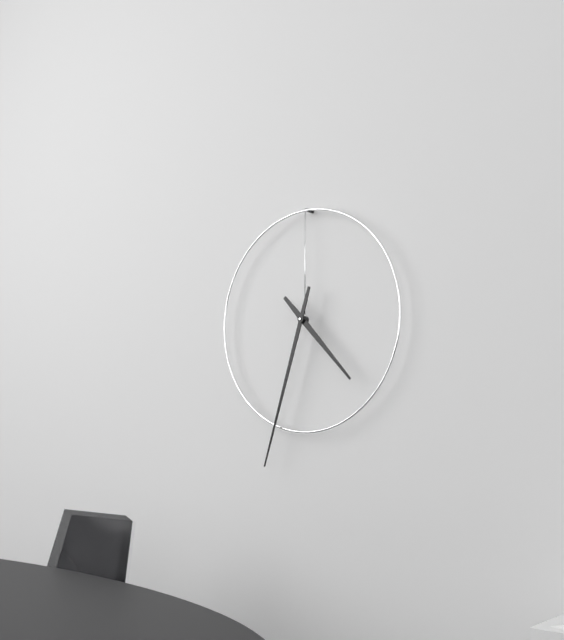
4.33
